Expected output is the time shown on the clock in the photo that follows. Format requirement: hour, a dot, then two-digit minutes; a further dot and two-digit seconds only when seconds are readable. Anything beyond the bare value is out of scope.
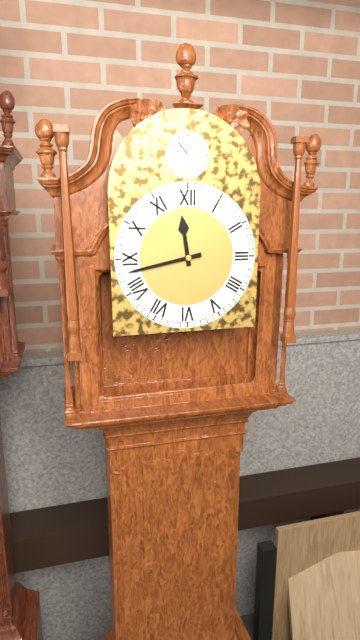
11.43
